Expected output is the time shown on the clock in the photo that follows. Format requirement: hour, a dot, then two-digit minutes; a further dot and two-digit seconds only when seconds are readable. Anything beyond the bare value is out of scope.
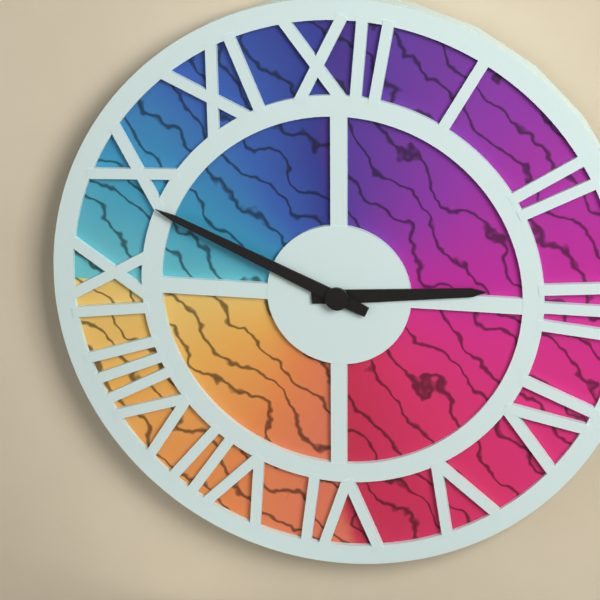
2.49
